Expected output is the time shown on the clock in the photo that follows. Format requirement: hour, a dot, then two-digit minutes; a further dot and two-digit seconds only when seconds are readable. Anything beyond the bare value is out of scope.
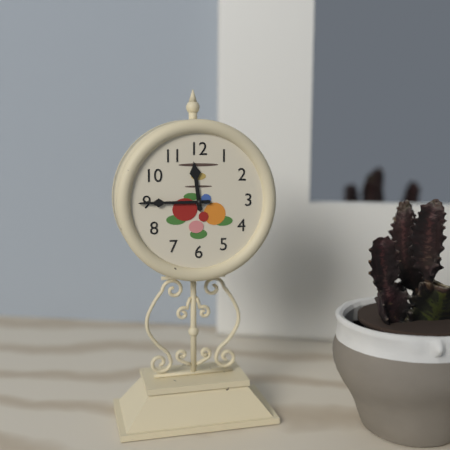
11.45
